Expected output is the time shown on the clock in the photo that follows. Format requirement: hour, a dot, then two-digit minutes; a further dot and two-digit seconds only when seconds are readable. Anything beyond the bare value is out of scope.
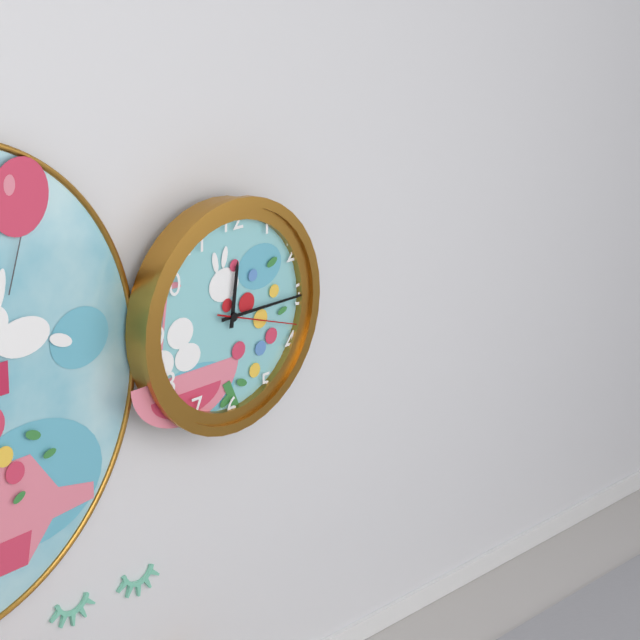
12.15.18
